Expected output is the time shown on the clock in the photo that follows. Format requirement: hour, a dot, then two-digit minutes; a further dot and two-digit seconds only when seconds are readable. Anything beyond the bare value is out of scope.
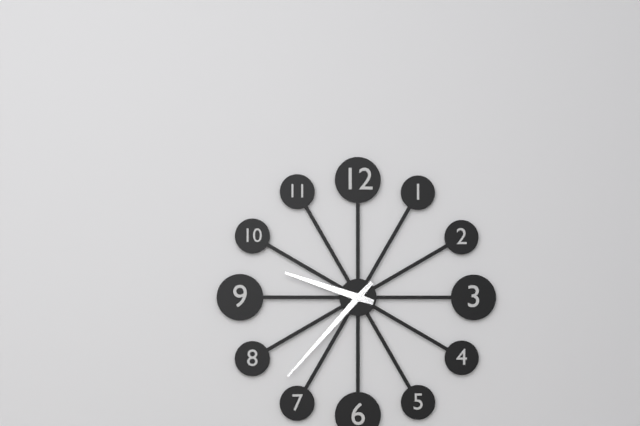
9.37
